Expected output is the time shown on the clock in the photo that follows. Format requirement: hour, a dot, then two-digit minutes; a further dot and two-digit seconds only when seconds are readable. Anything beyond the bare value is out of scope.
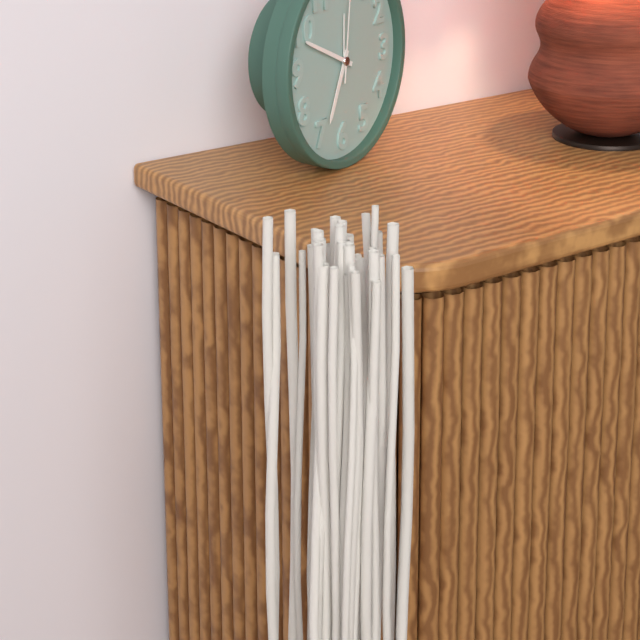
6.49
